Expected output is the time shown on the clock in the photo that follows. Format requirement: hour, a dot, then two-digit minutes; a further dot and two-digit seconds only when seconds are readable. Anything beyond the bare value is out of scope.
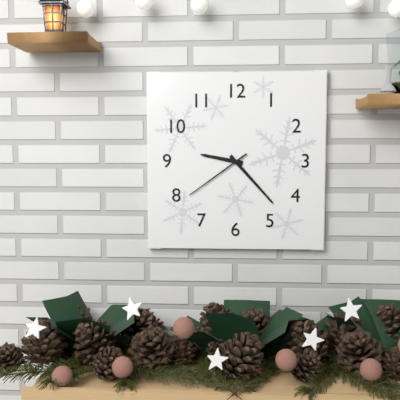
9.23.39
